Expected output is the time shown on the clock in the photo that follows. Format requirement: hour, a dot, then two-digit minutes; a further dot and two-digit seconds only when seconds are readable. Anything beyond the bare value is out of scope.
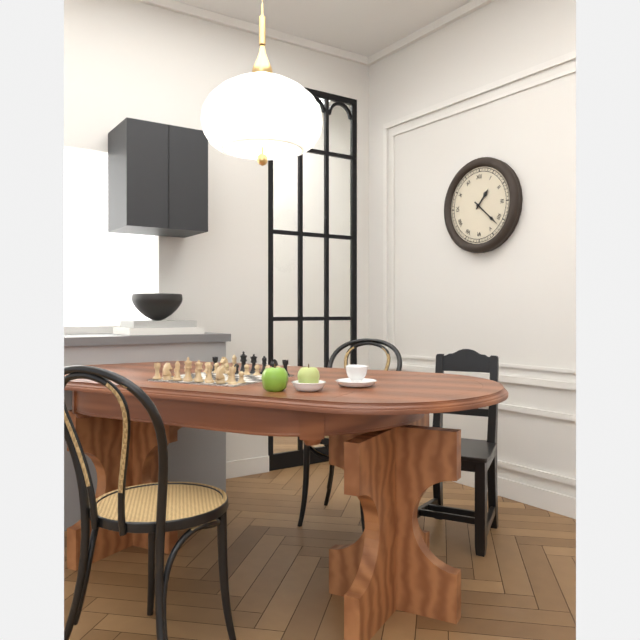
1.22
